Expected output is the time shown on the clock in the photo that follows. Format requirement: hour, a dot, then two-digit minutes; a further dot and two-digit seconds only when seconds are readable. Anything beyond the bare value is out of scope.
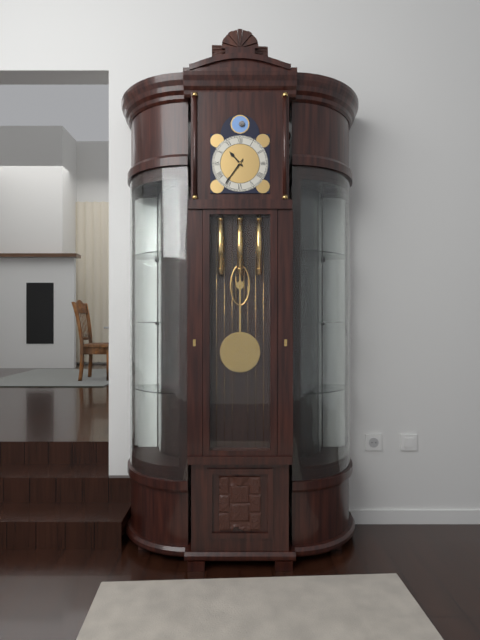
10.36
